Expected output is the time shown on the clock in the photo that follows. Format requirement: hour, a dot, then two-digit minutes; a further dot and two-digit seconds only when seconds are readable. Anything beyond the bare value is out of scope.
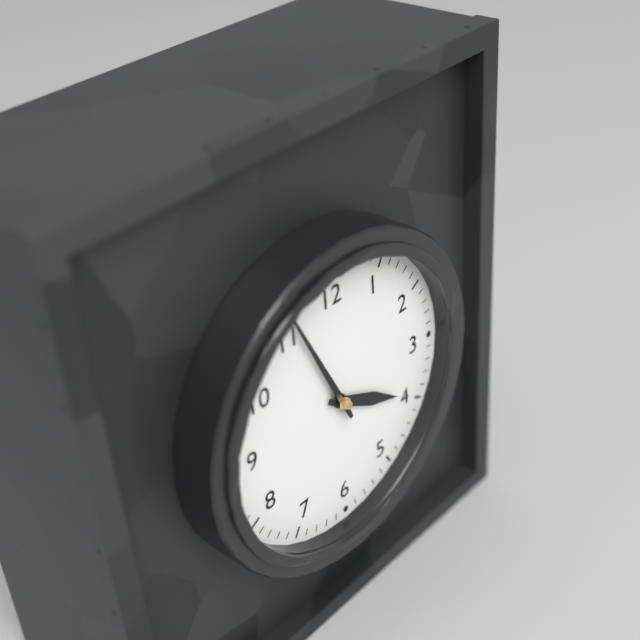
3.56
